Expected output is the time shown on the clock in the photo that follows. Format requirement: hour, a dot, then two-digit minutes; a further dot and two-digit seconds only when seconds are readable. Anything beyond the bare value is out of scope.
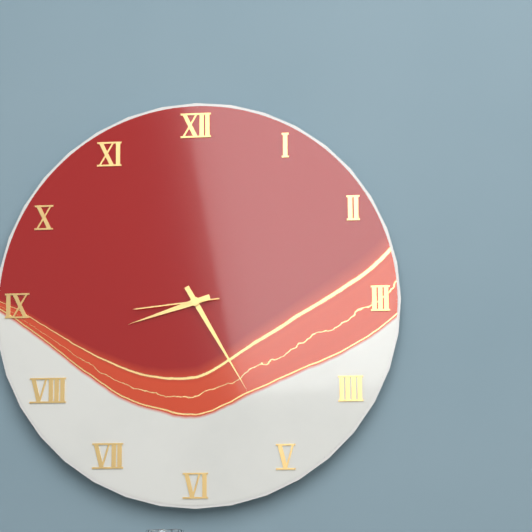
8.25.44
